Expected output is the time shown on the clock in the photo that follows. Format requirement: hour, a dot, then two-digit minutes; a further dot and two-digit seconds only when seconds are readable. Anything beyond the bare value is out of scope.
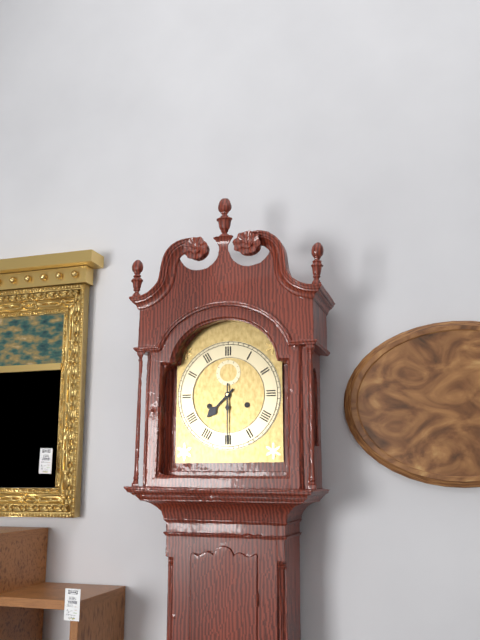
7.30
